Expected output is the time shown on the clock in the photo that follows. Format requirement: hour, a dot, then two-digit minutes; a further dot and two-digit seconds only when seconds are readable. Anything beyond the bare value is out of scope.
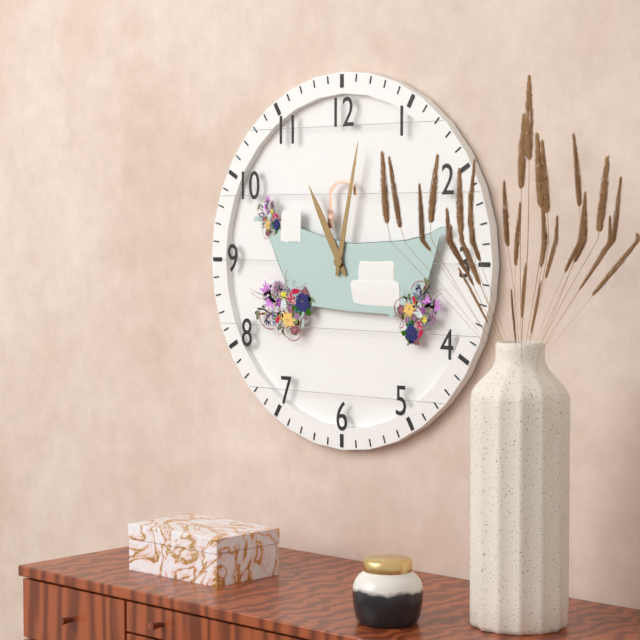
11.02
